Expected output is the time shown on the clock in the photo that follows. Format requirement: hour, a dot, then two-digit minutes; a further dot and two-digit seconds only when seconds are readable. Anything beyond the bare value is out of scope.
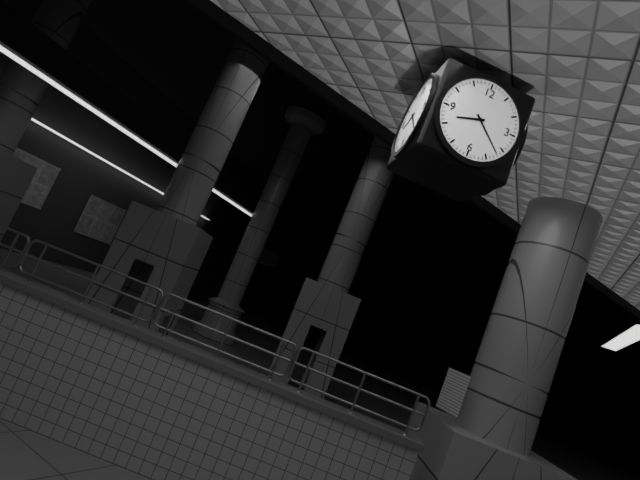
8.22
